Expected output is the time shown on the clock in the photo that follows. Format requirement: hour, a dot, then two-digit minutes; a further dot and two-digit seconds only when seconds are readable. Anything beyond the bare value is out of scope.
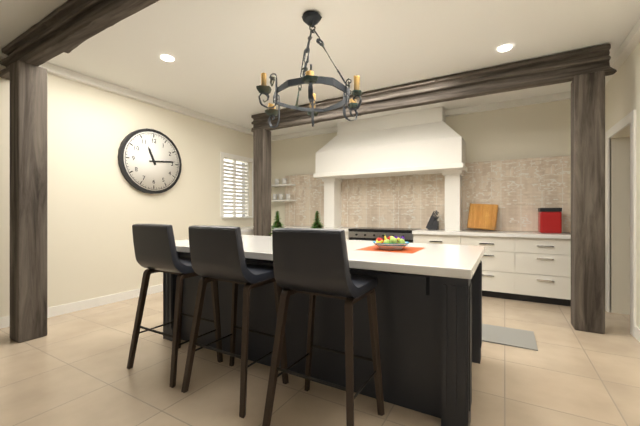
11.14
